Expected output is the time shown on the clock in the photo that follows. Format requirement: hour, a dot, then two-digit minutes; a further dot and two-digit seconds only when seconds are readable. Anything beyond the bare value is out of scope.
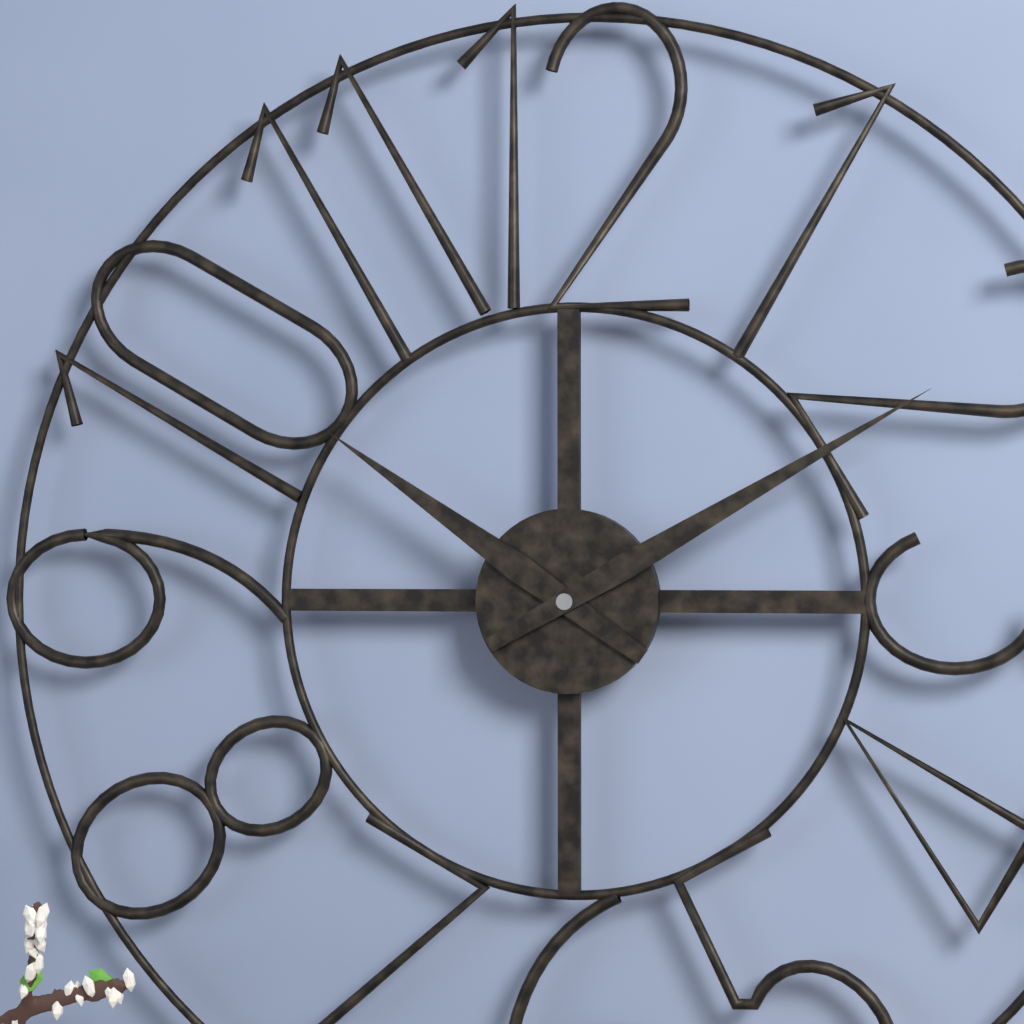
10.10
